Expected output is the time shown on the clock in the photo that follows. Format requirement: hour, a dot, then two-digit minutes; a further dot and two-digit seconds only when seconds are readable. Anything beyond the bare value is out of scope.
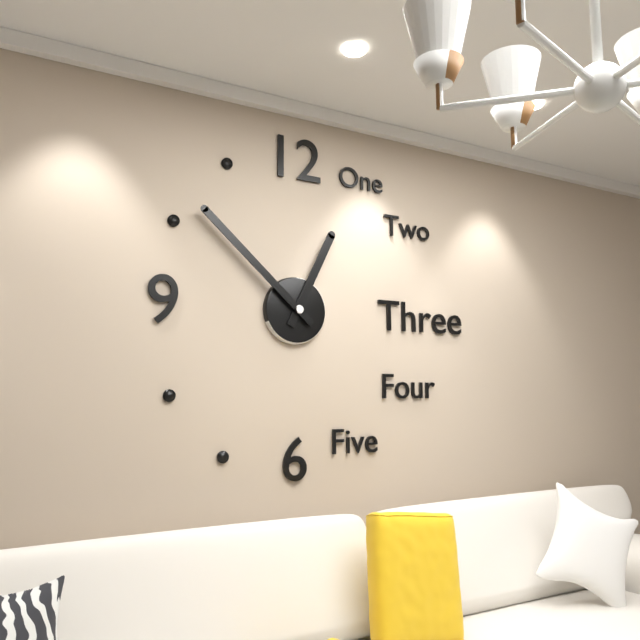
12.52
